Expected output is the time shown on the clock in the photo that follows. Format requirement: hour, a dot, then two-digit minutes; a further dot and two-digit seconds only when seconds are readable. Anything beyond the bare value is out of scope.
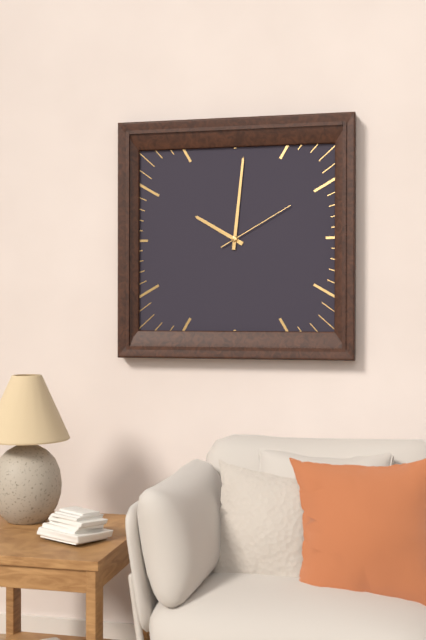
10.01.10
